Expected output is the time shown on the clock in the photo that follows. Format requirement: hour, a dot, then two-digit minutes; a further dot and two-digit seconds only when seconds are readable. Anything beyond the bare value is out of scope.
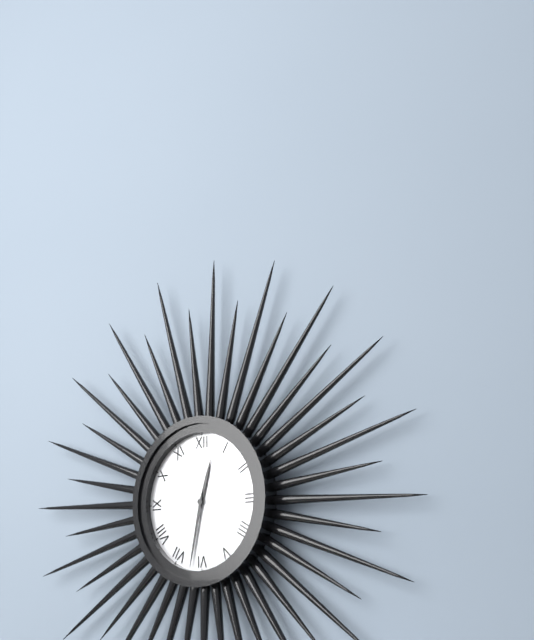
12.32
